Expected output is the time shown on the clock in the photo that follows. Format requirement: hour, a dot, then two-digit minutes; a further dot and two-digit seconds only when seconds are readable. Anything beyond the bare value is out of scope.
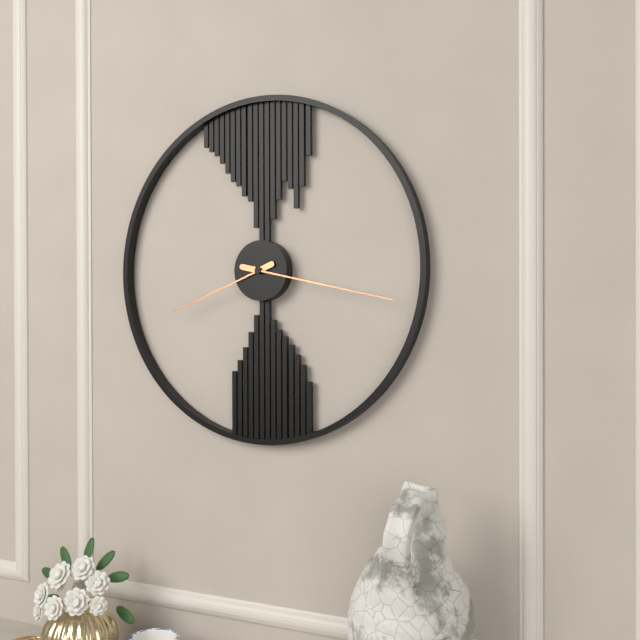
8.17
